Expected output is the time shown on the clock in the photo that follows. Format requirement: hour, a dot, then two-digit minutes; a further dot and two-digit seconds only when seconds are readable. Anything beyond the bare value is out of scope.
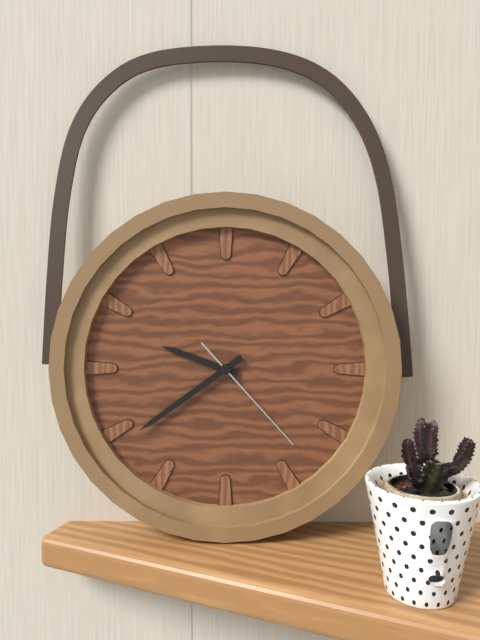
9.39.23
